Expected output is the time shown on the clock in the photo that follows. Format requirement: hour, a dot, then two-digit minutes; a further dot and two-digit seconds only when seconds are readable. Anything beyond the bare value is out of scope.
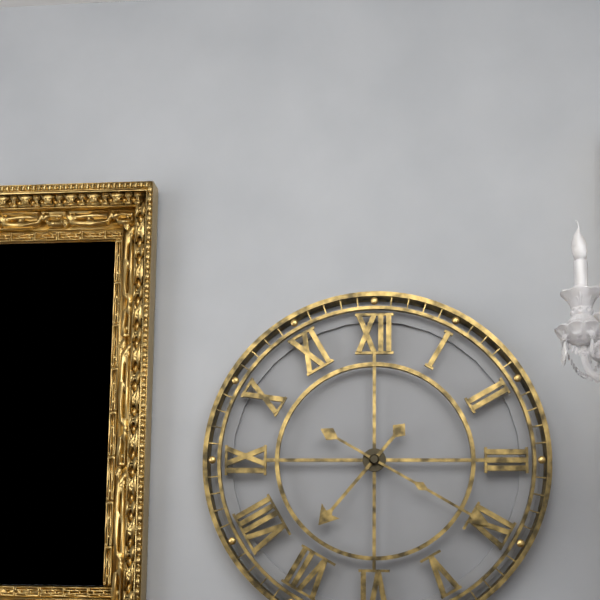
7.20
